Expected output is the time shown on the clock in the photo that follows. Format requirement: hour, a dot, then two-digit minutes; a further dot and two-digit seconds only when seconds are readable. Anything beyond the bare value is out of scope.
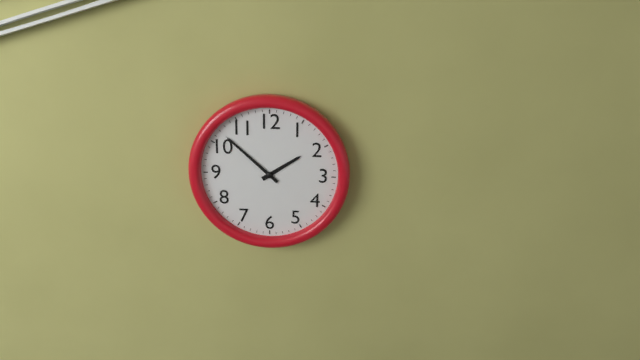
1.52
